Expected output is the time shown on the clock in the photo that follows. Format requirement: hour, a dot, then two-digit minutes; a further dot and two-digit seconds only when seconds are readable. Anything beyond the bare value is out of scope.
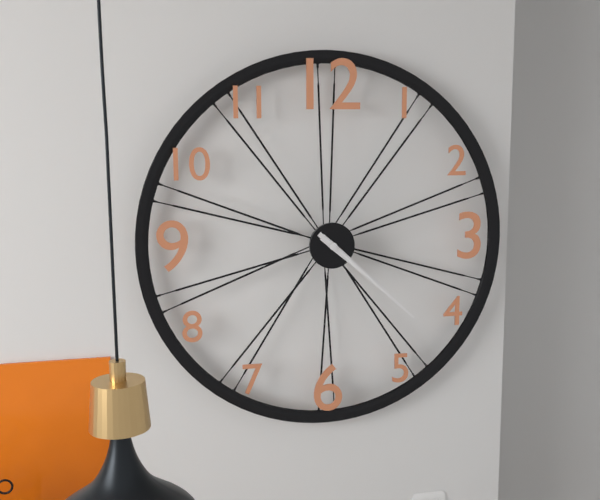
4.22
